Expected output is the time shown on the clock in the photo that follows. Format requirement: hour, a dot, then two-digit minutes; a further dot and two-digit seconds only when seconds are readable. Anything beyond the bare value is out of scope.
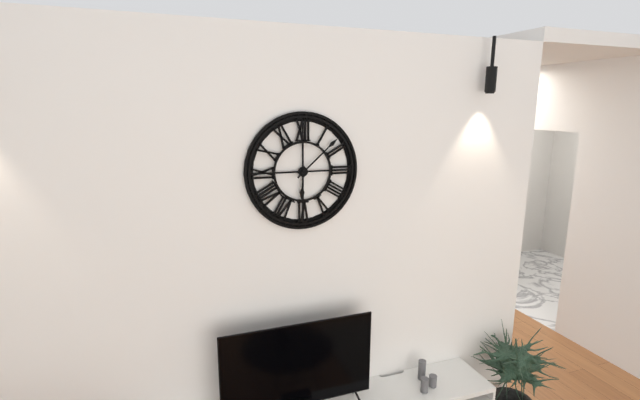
6.08
